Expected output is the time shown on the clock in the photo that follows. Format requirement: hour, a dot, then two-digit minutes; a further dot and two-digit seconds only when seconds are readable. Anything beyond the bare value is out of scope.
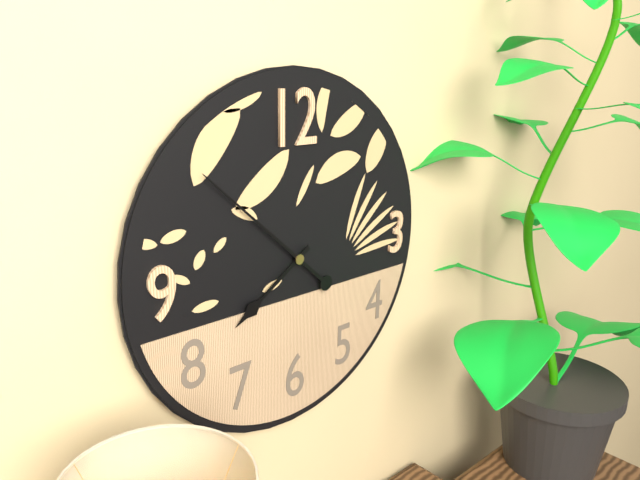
7.52
